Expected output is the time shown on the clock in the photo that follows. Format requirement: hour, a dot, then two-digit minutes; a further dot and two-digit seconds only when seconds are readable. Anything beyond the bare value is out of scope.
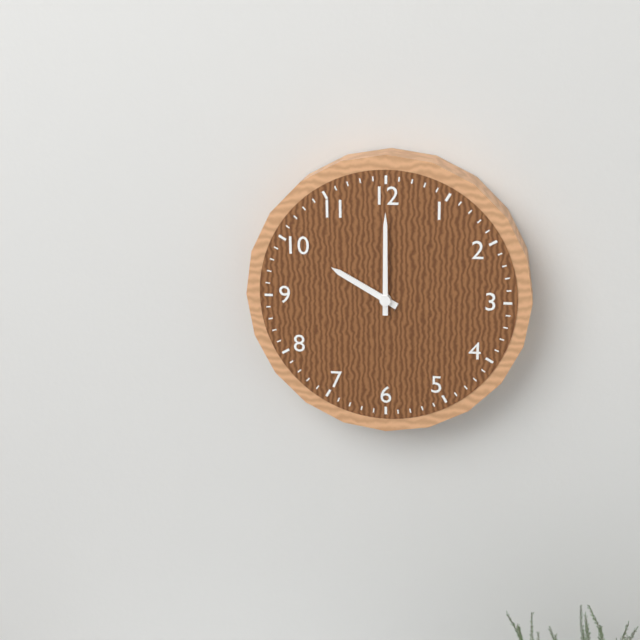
10.00
